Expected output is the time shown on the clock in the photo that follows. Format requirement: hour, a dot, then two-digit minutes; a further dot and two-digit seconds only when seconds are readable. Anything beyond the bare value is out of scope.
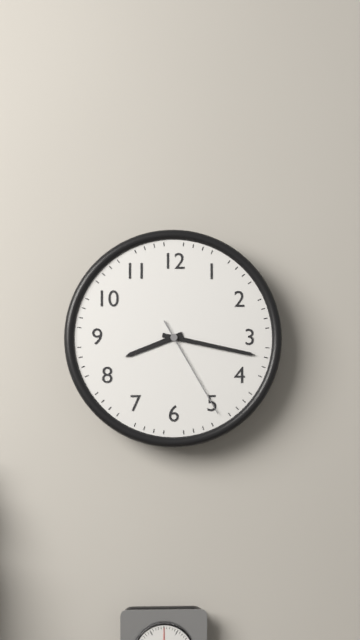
8.17.25
